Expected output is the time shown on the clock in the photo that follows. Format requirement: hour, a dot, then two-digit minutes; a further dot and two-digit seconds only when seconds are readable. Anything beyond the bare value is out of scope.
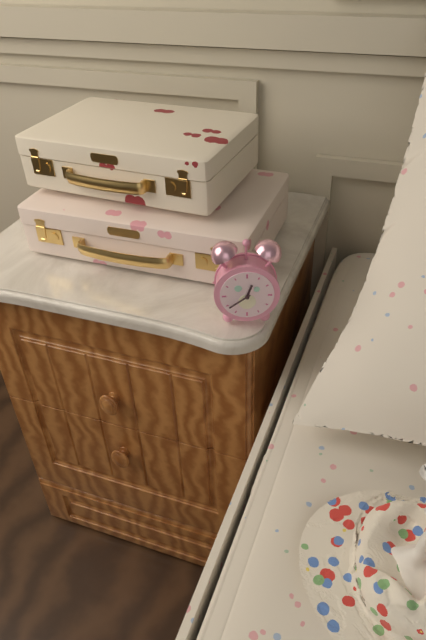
12.39
